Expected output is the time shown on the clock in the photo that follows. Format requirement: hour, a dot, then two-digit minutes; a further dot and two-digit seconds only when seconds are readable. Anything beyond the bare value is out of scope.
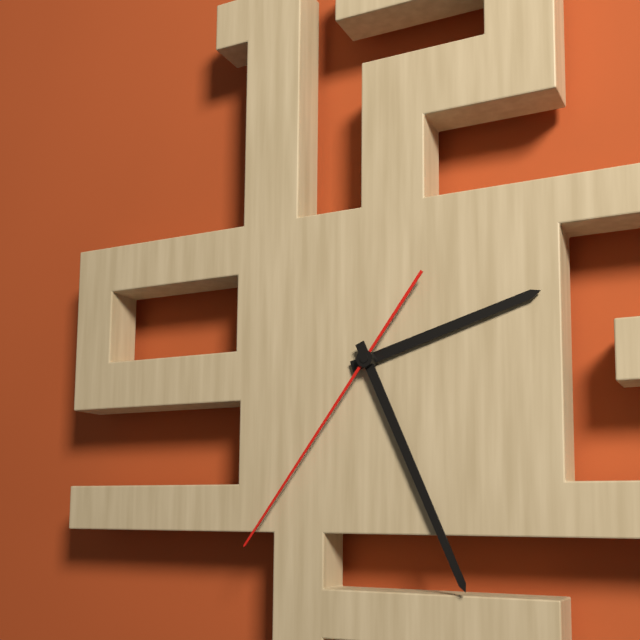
2.26.36
